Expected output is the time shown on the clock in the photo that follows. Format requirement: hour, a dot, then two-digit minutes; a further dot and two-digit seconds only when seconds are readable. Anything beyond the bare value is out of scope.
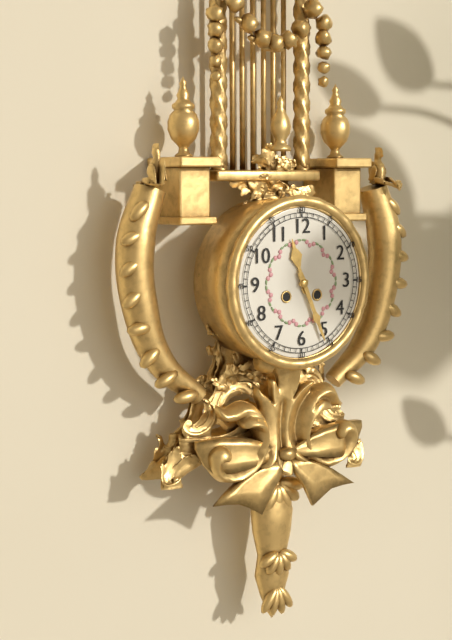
11.26
